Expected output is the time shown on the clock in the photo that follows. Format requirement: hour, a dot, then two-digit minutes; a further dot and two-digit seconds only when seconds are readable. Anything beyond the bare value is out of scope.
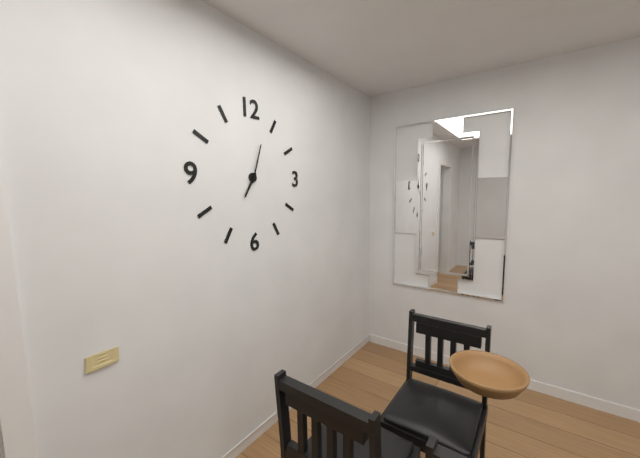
7.03
